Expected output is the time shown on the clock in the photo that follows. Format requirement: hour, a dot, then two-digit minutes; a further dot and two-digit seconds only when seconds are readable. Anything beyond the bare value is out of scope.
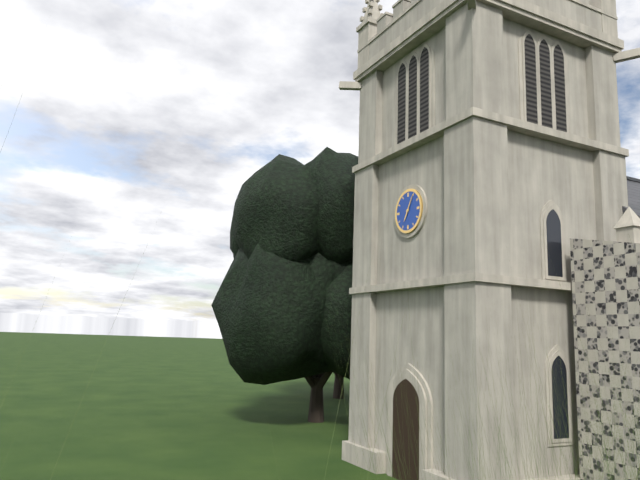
7.05
